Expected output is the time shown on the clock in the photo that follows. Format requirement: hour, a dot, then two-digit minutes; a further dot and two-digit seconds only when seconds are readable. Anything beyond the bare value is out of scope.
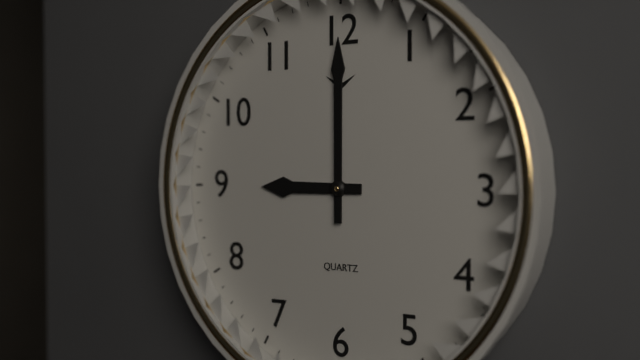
9.00
